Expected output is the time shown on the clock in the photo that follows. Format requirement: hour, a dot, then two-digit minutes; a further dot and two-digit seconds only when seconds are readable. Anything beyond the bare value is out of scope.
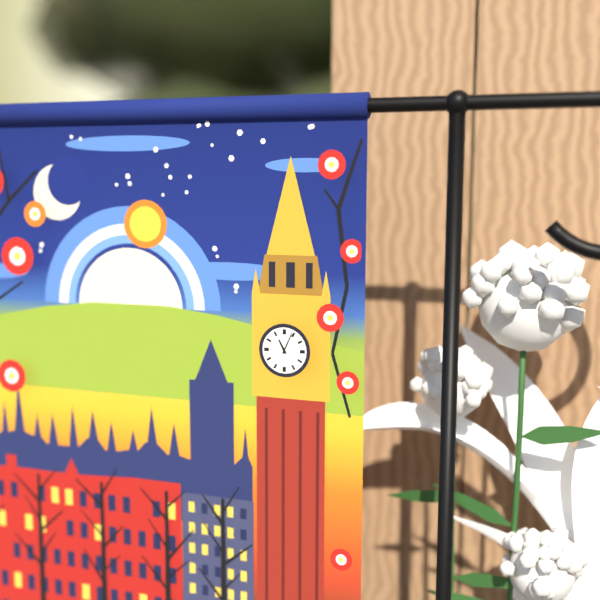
11.04
